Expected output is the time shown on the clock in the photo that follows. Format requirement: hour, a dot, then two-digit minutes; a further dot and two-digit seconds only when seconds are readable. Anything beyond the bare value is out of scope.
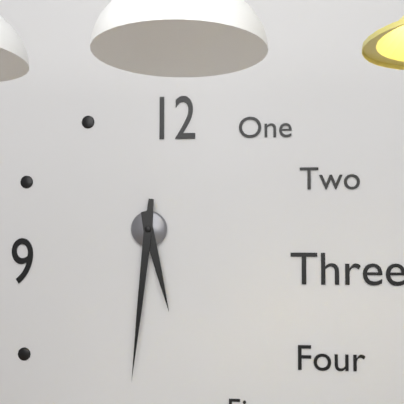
5.31
